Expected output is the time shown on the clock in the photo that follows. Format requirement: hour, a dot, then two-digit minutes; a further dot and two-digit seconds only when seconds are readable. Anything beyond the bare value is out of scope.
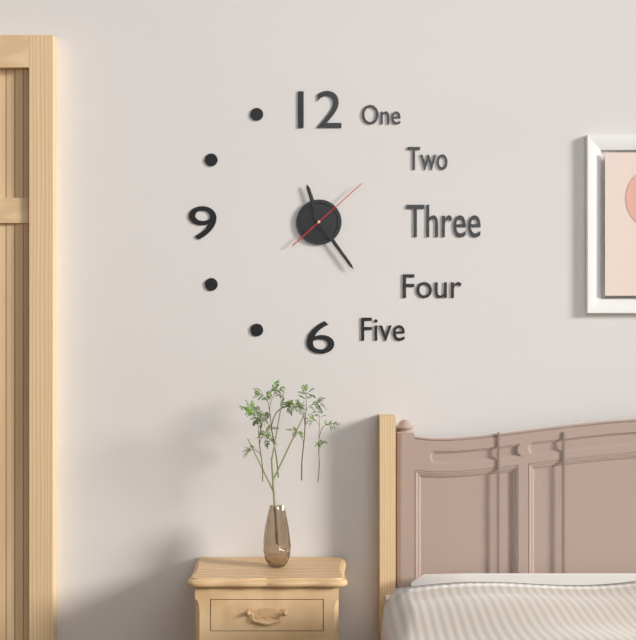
11.24.08
